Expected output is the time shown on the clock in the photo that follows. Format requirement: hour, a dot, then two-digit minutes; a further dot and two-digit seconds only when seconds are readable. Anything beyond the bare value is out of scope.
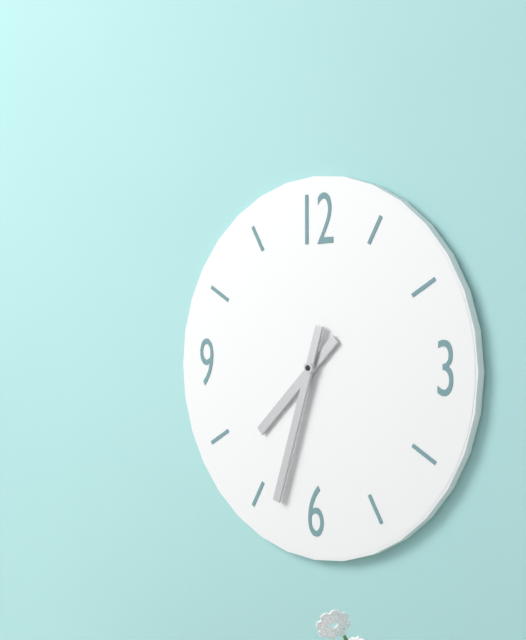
7.33
